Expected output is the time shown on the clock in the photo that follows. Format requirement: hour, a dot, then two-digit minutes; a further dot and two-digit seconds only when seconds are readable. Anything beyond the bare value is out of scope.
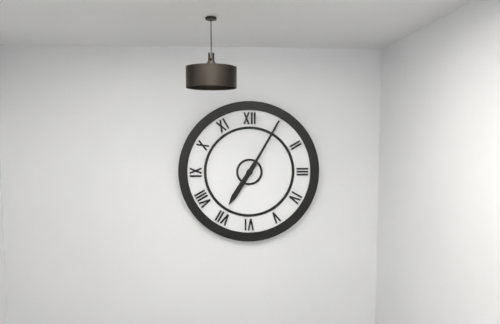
7.05
